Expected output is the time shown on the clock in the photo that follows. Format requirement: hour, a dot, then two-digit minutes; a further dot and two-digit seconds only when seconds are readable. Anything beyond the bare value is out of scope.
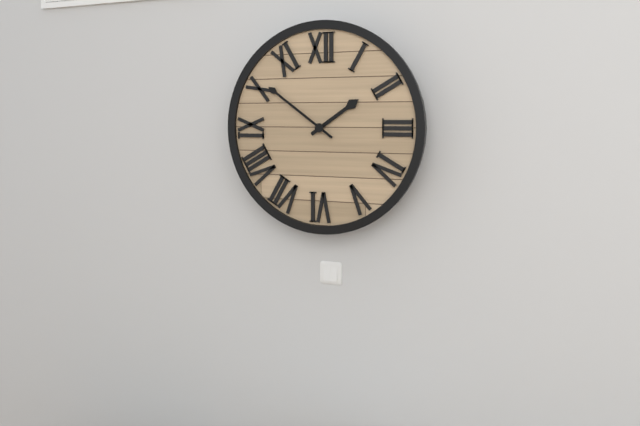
1.51
